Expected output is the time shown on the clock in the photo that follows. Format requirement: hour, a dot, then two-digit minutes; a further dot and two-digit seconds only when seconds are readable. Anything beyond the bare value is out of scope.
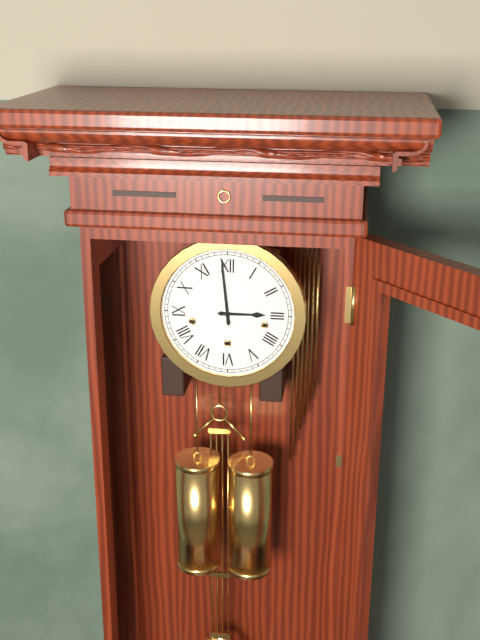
2.59
